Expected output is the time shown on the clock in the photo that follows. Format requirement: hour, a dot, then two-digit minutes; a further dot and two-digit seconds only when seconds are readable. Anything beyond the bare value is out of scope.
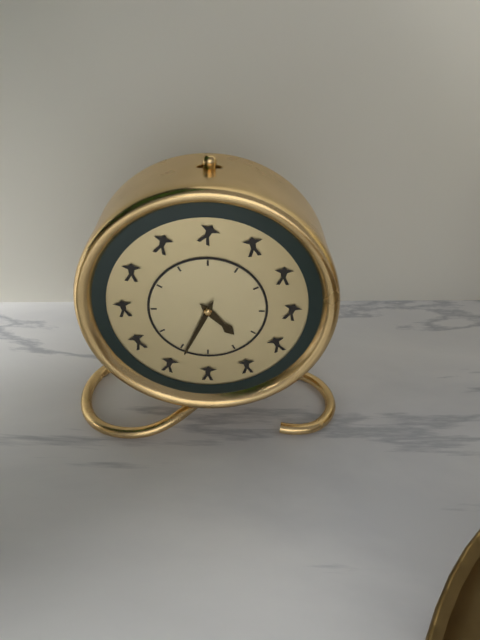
4.34
